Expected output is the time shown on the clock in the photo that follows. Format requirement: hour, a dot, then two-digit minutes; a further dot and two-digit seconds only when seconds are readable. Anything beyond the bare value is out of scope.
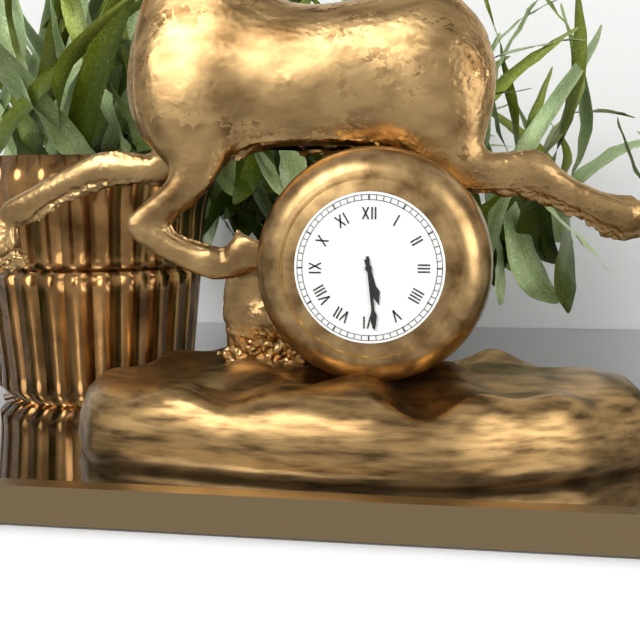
5.29
